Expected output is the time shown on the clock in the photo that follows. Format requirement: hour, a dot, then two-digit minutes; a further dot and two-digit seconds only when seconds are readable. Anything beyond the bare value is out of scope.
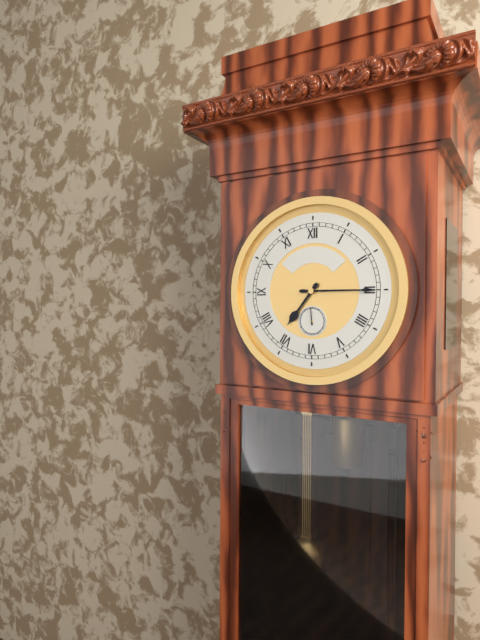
7.15
